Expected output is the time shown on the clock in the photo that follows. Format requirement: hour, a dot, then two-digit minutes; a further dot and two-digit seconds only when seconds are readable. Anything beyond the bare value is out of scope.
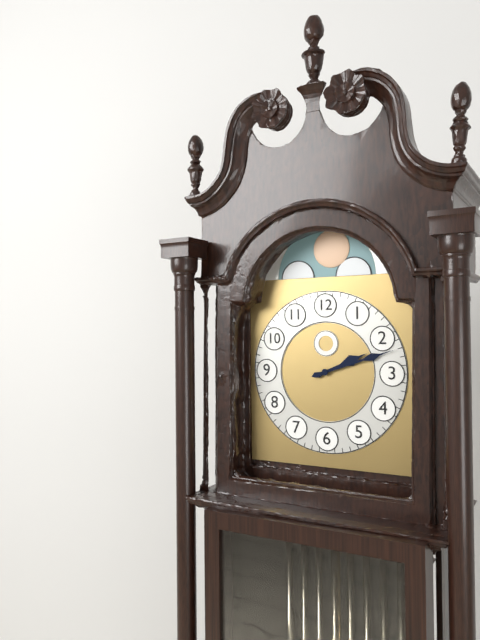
2.12
